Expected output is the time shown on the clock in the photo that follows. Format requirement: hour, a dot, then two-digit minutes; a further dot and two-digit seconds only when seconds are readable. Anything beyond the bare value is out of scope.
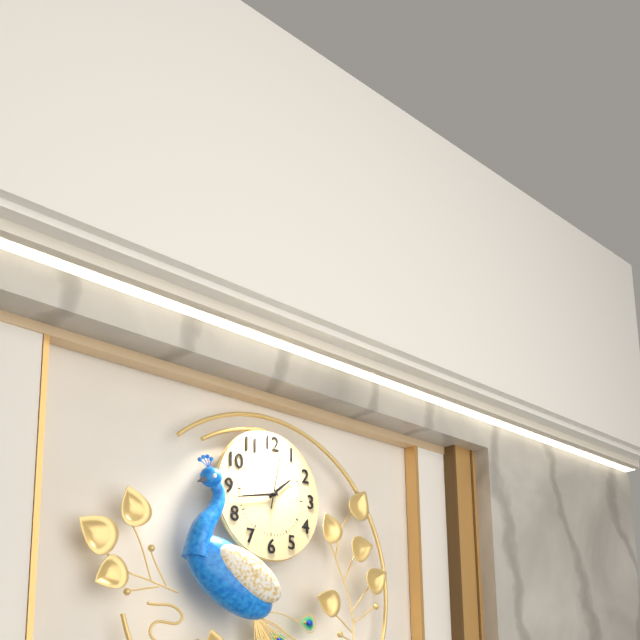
1.43.02
